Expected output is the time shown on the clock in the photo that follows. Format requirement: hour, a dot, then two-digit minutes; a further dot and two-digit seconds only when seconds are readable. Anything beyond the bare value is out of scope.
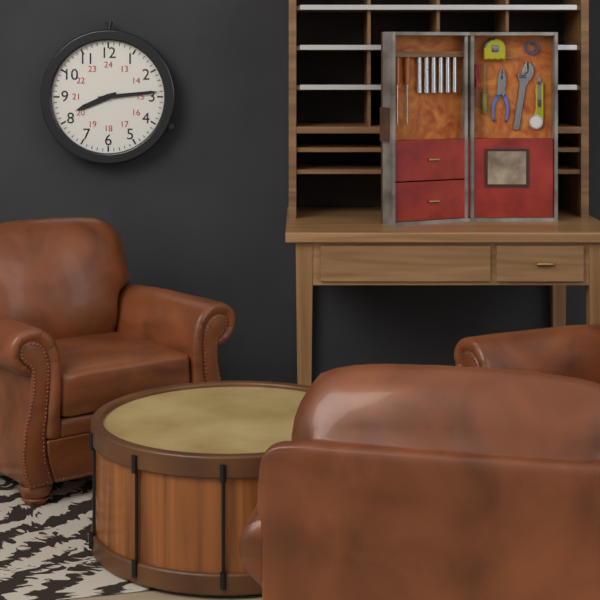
8.14
